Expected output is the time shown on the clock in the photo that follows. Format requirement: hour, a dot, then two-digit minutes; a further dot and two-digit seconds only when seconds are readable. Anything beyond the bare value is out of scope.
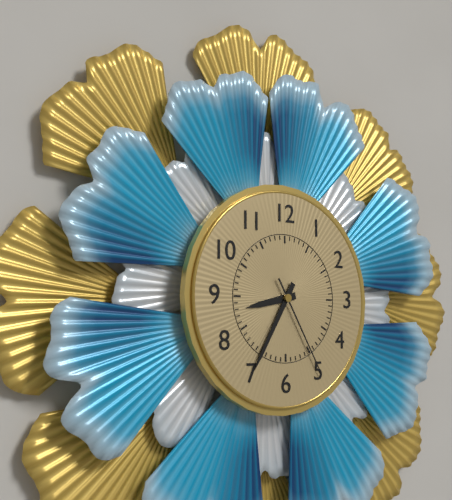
8.35.25
